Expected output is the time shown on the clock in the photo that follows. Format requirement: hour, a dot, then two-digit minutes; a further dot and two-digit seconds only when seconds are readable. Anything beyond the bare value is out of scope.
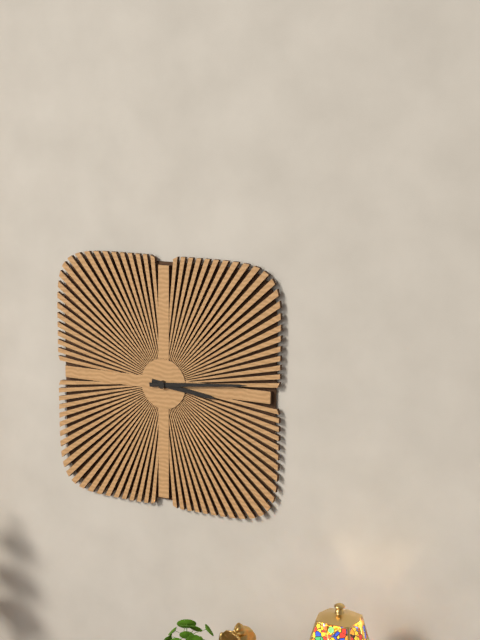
3.14
